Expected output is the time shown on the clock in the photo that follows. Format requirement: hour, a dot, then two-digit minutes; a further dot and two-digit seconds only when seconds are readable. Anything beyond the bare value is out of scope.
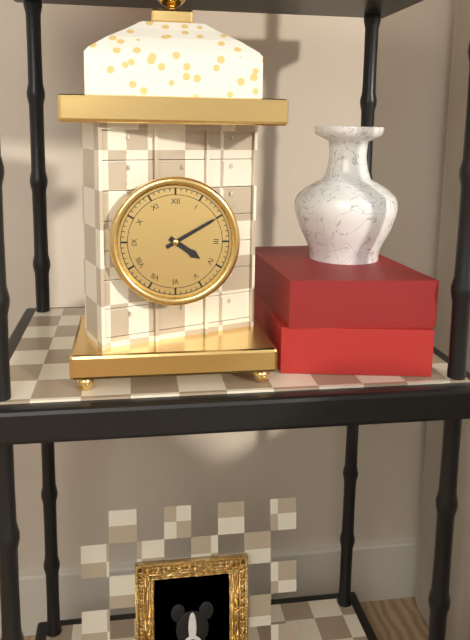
4.10
